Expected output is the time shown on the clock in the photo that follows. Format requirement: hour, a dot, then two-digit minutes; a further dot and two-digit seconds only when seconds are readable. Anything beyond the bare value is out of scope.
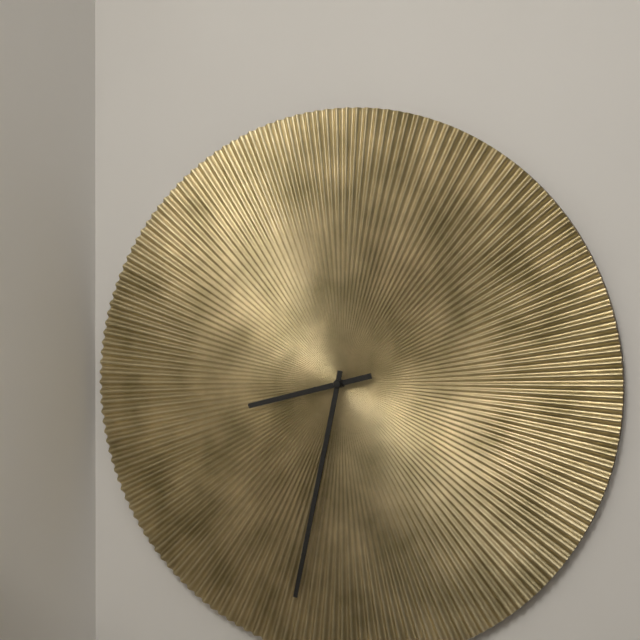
8.32
